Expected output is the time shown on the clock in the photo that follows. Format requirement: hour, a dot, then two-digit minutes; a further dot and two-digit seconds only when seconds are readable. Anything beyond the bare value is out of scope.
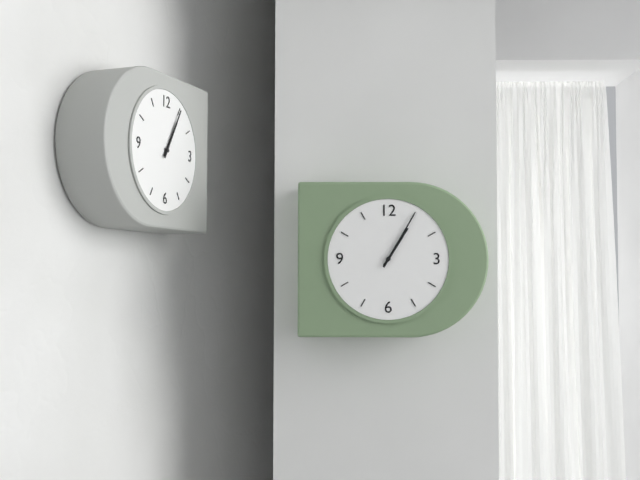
1.05
